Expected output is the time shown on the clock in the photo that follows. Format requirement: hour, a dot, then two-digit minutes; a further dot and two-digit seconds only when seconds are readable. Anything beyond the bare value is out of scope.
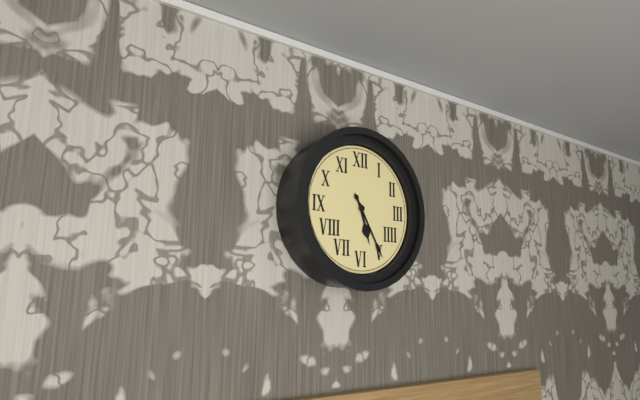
5.25
